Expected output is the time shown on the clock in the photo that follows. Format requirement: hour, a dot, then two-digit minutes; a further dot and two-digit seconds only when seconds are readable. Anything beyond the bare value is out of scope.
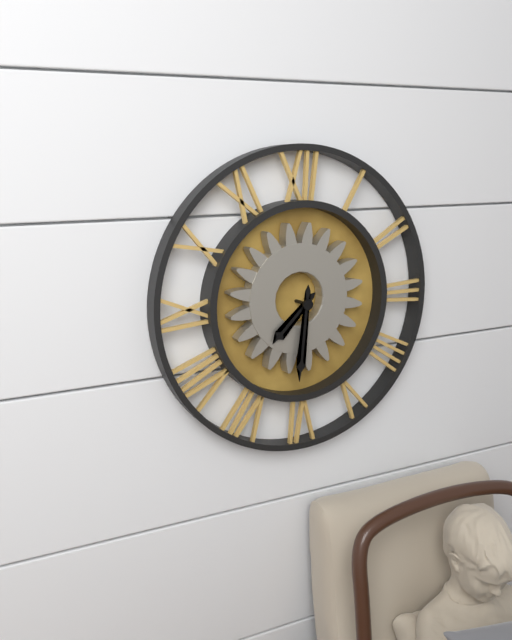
7.31
